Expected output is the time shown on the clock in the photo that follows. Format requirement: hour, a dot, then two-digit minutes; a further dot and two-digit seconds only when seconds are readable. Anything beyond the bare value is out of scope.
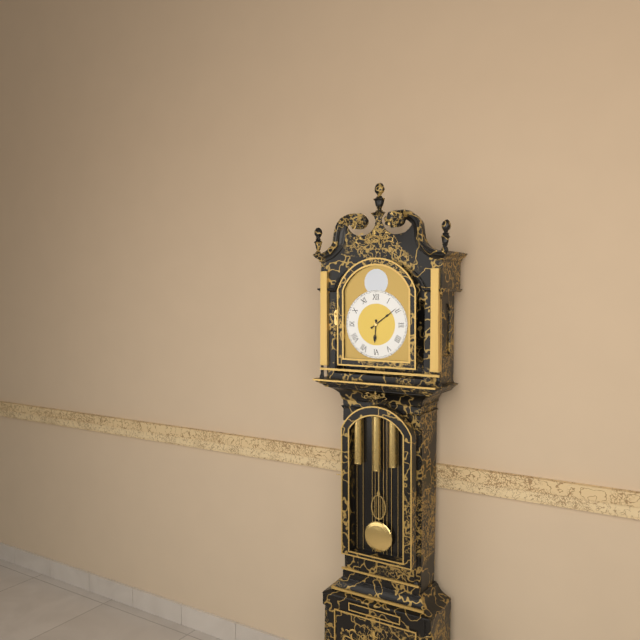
6.09
